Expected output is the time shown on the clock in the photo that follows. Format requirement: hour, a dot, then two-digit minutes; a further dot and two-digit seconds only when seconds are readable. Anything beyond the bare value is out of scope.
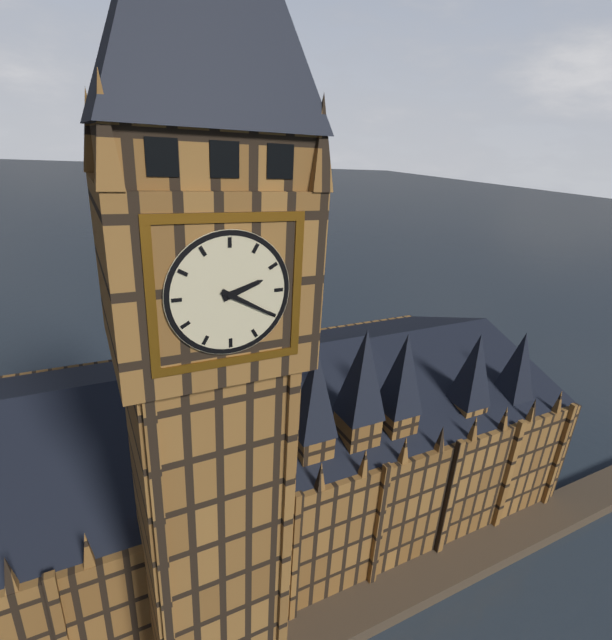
2.20
